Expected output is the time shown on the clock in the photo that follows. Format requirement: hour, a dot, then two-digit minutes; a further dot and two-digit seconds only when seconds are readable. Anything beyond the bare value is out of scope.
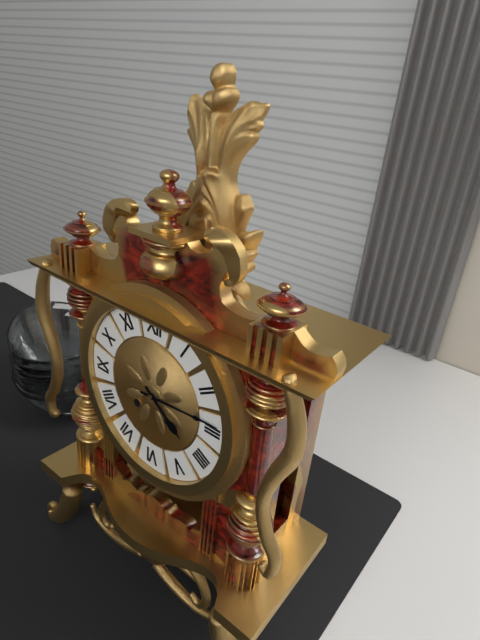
4.14
